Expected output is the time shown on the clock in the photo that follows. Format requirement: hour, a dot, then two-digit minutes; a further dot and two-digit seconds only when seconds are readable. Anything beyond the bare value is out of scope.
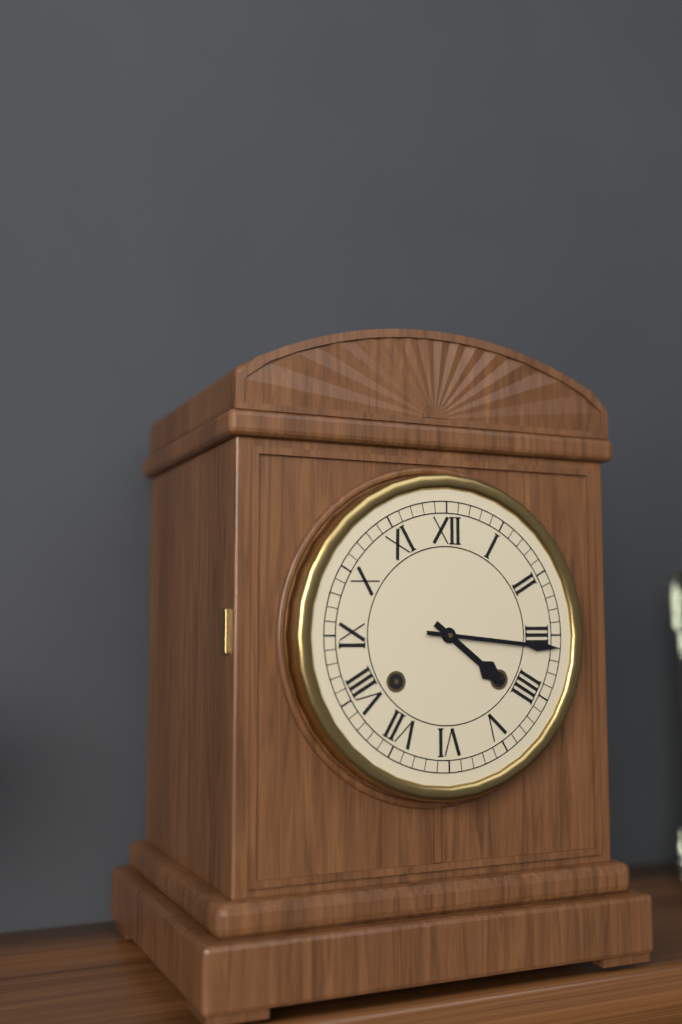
4.16
